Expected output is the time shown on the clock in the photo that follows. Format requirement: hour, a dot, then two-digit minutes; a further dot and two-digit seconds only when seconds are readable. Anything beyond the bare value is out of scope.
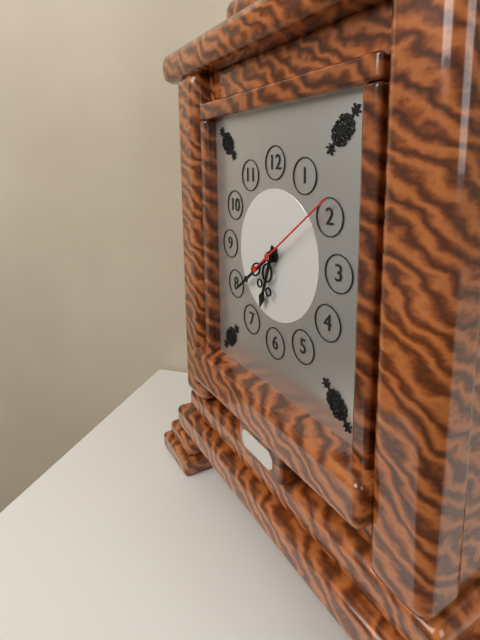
6.39.09
